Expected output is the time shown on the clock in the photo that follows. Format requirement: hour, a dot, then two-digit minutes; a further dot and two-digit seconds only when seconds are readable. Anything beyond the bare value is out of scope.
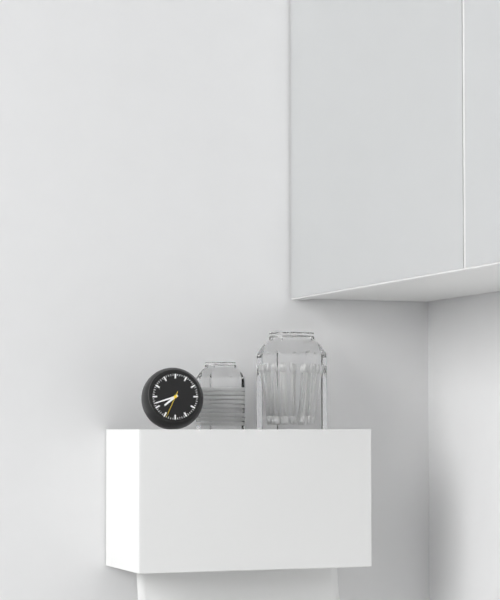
7.42
